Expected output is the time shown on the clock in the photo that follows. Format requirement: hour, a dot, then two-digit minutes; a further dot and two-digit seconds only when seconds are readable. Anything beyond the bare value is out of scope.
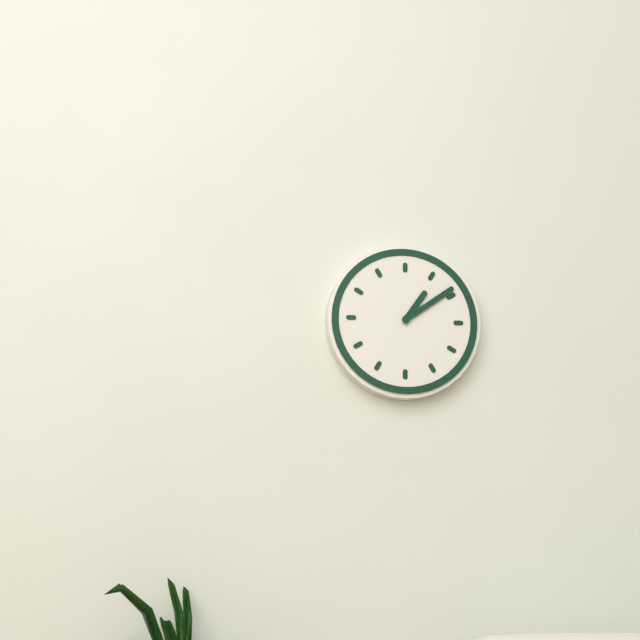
1.09
